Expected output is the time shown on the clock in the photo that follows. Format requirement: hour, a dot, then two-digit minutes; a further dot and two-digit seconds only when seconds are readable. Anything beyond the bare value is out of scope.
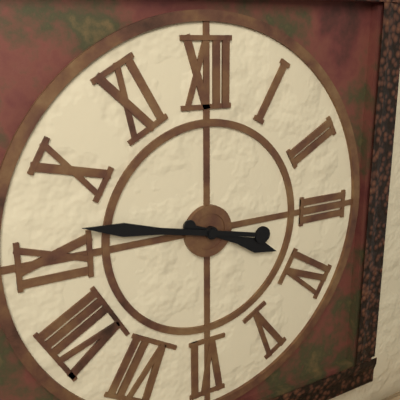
3.47
